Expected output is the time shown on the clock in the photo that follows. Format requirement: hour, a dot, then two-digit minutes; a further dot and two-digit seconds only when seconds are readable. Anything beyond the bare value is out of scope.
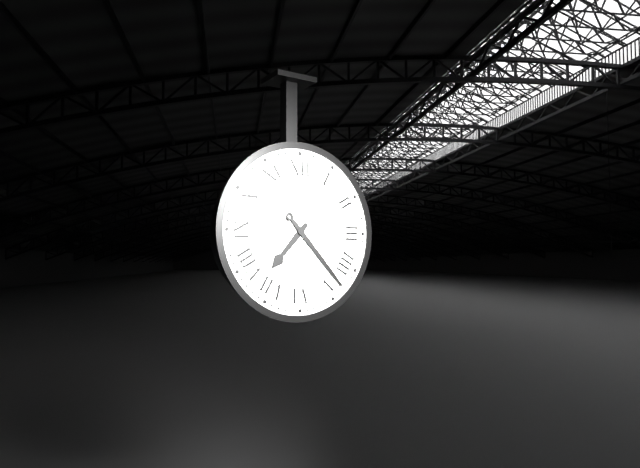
7.23
